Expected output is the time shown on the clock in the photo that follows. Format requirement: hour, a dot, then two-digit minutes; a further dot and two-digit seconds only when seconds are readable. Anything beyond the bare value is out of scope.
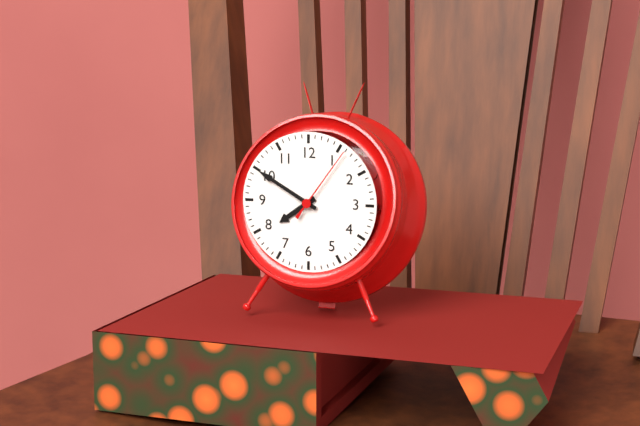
7.50.06
